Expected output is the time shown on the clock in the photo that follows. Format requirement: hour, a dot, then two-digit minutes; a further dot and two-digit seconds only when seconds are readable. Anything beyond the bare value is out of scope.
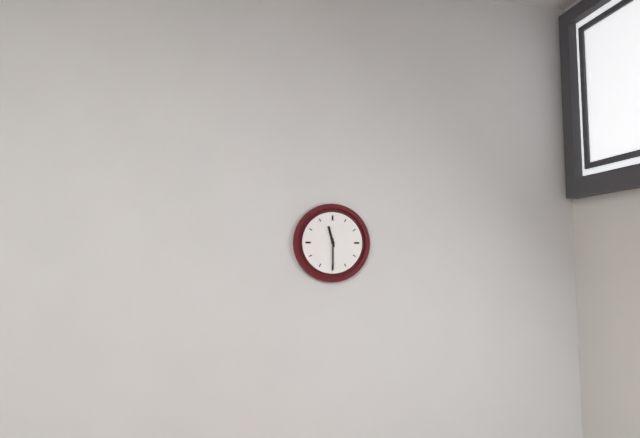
11.30
